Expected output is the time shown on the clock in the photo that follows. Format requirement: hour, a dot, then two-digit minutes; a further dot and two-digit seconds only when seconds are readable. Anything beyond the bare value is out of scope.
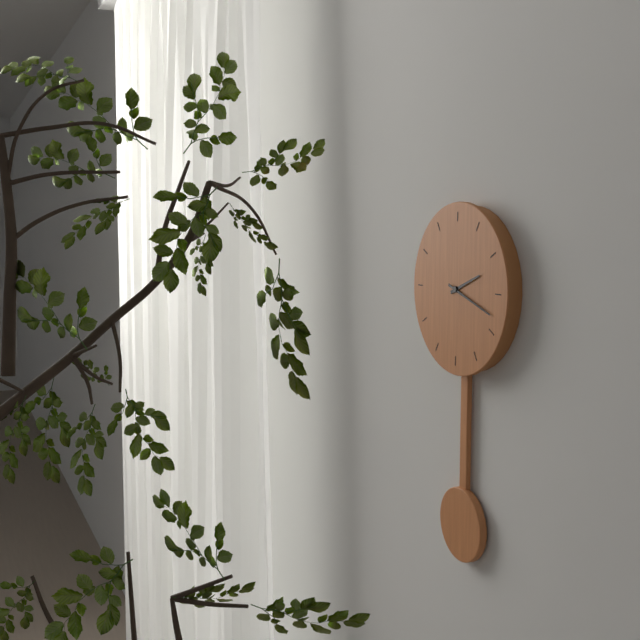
2.18
